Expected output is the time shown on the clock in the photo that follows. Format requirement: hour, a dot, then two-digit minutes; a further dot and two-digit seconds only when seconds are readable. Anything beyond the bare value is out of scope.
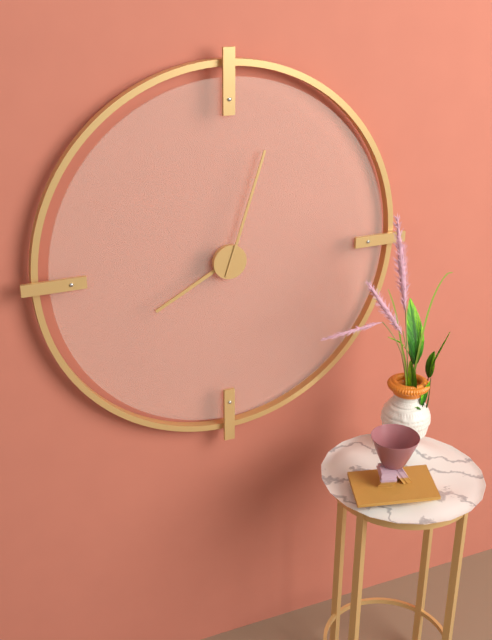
8.03
